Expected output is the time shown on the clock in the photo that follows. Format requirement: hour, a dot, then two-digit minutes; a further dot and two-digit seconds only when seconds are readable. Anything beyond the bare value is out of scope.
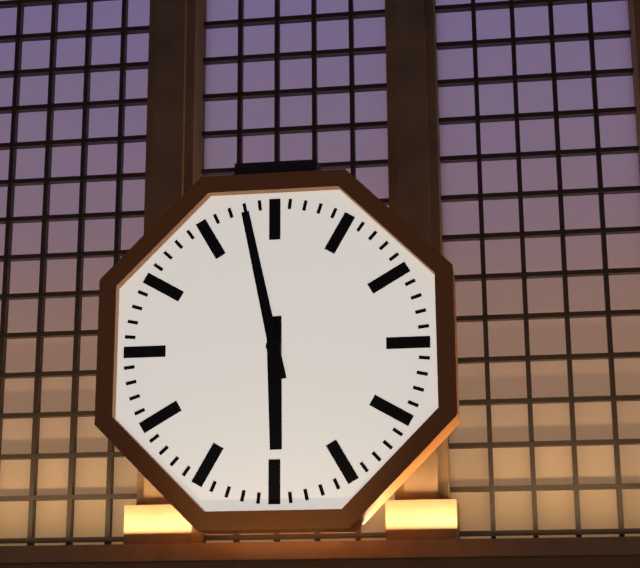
5.58
